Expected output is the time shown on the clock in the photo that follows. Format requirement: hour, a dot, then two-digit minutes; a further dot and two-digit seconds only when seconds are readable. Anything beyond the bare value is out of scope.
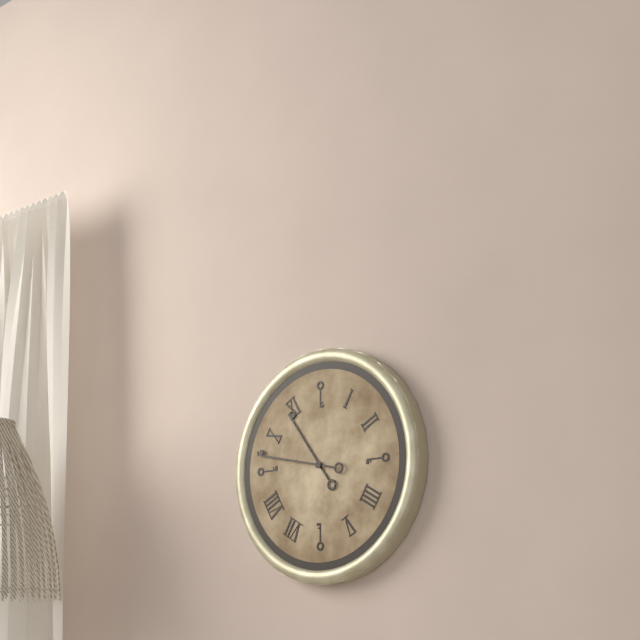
10.47
